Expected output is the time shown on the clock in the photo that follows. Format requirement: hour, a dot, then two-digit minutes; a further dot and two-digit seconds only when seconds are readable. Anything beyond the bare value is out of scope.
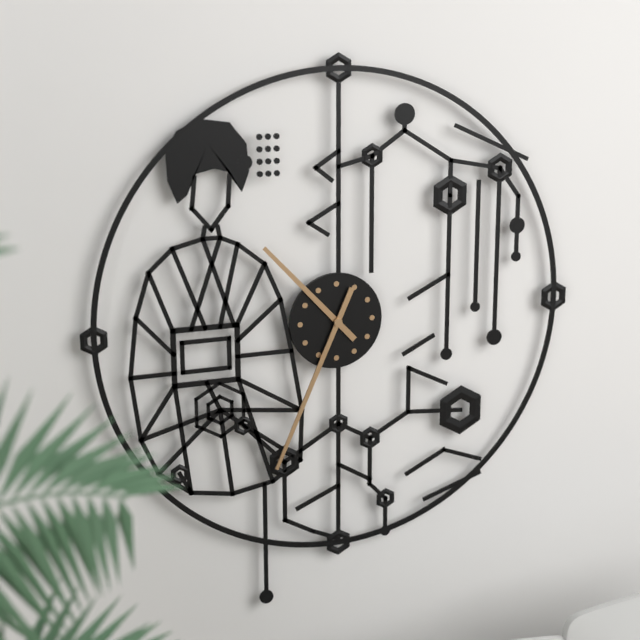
10.34
